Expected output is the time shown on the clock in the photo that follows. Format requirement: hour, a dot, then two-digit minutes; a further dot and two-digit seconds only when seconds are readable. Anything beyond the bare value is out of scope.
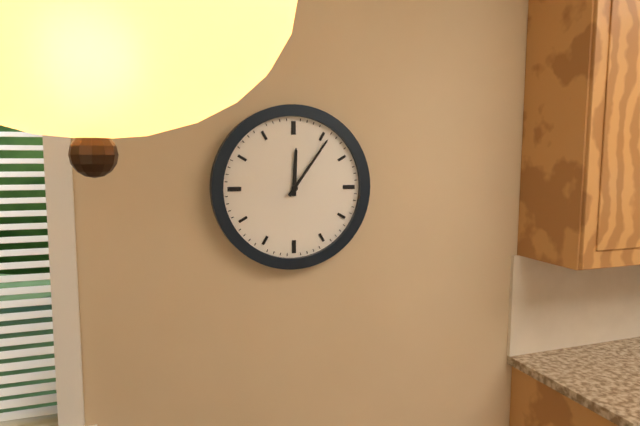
12.06
